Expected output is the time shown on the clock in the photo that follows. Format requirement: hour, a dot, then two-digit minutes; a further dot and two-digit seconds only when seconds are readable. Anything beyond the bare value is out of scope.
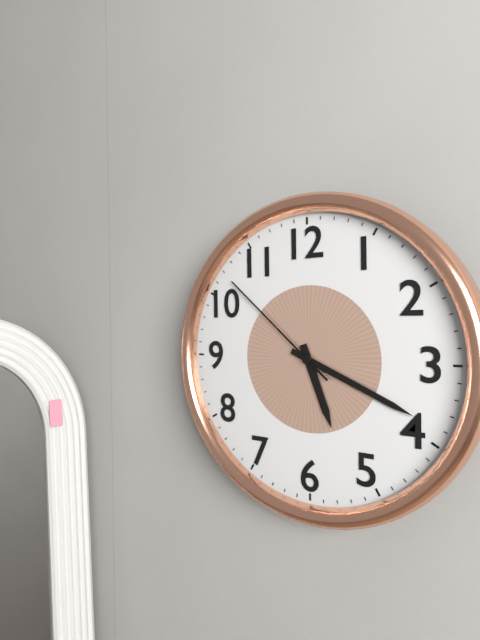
5.19.52
